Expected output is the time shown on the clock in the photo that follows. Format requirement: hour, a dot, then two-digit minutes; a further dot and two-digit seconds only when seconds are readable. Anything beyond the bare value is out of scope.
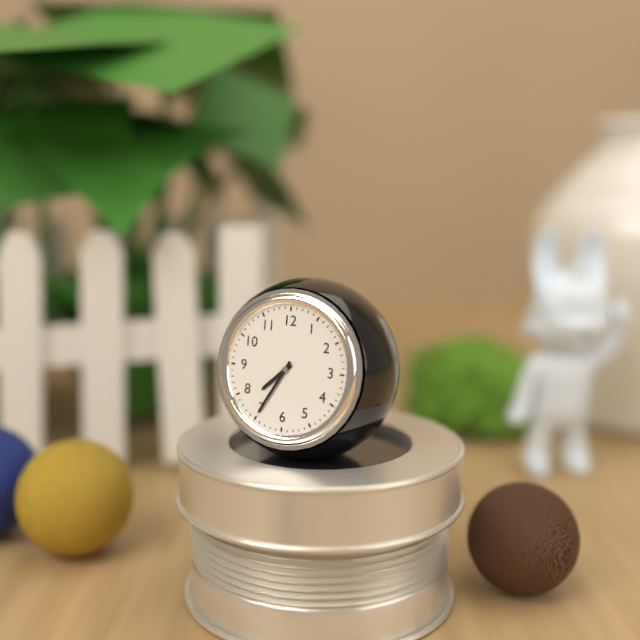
7.35
